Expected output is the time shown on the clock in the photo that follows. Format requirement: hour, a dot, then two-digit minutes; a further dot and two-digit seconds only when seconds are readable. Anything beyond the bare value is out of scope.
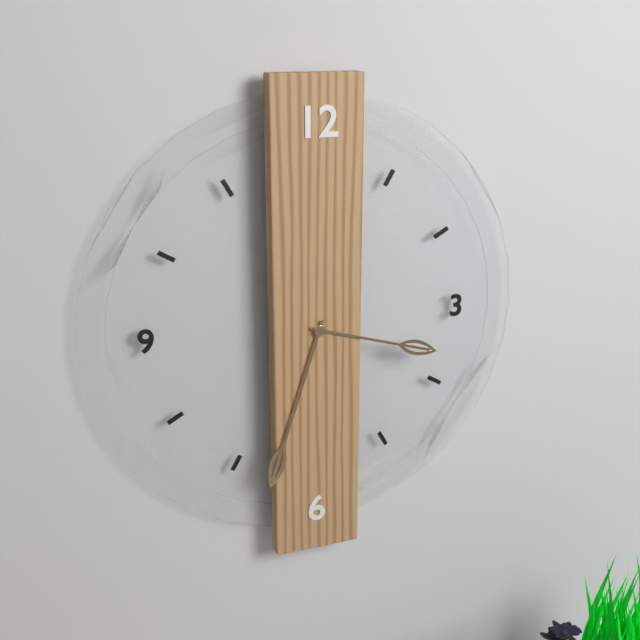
3.33
